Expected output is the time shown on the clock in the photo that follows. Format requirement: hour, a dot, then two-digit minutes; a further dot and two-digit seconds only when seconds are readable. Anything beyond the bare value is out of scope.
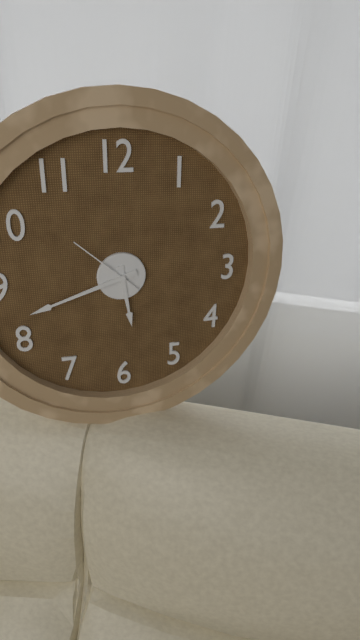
5.42.52
